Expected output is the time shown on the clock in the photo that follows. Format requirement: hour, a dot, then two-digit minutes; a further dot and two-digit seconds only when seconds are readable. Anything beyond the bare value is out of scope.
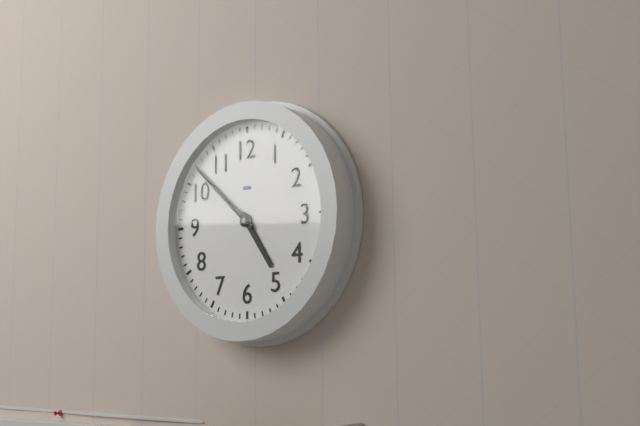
4.52
